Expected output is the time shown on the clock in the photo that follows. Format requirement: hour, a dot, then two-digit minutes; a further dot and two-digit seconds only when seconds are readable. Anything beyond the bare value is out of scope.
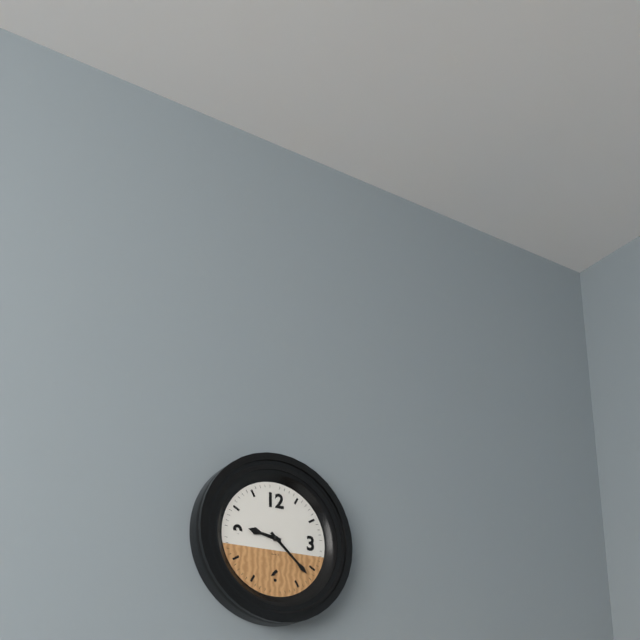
9.22
